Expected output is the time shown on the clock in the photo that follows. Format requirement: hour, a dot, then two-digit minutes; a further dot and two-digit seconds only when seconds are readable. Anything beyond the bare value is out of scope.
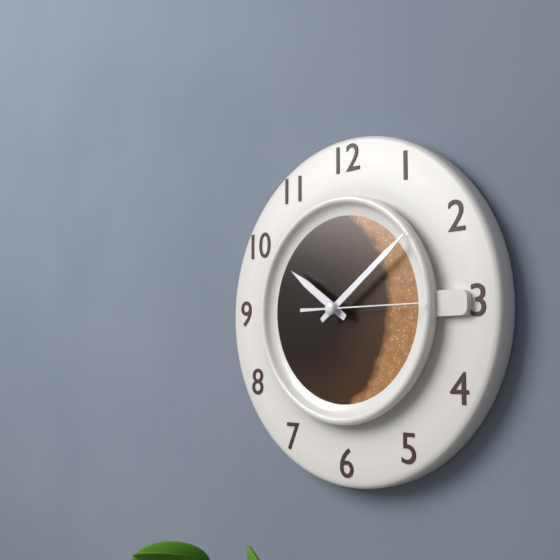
10.09.15
